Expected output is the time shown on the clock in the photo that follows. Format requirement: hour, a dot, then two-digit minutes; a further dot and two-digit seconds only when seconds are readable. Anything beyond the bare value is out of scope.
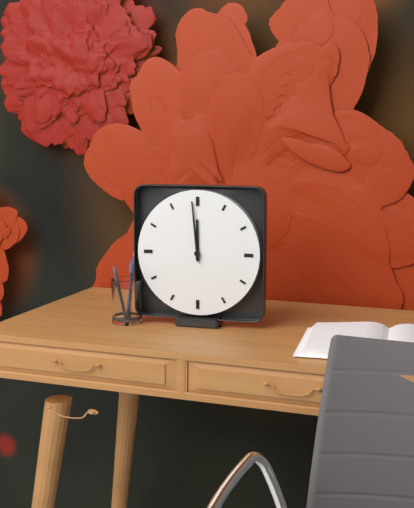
11.59
